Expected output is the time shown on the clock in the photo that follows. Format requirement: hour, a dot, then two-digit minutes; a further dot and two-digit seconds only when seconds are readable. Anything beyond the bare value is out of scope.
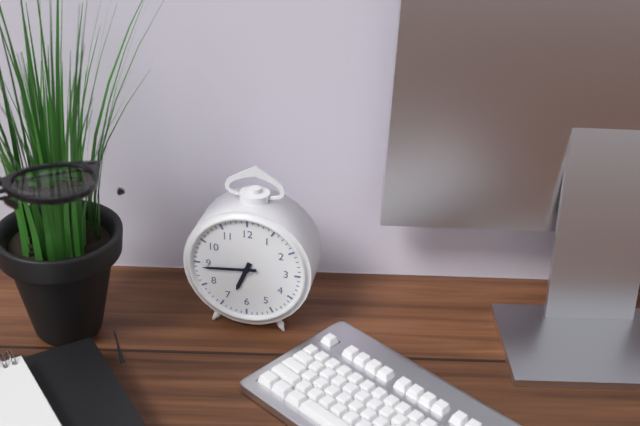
6.44
